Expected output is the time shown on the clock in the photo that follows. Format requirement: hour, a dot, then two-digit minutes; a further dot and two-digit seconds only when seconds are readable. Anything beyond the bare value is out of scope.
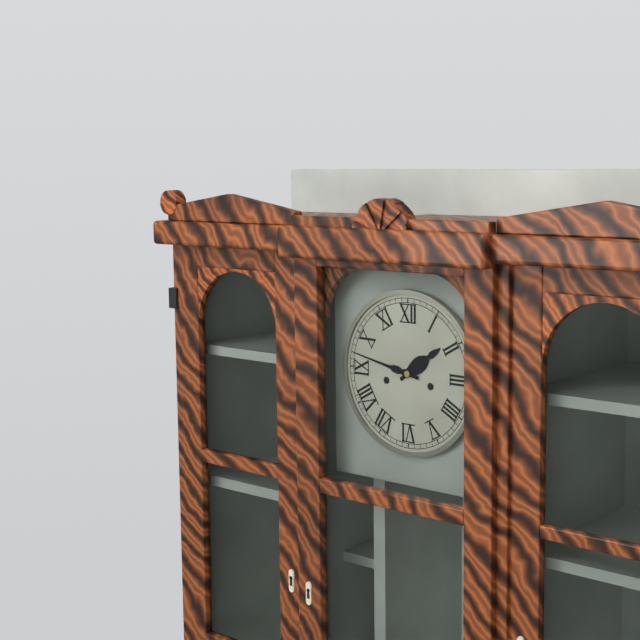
1.47
